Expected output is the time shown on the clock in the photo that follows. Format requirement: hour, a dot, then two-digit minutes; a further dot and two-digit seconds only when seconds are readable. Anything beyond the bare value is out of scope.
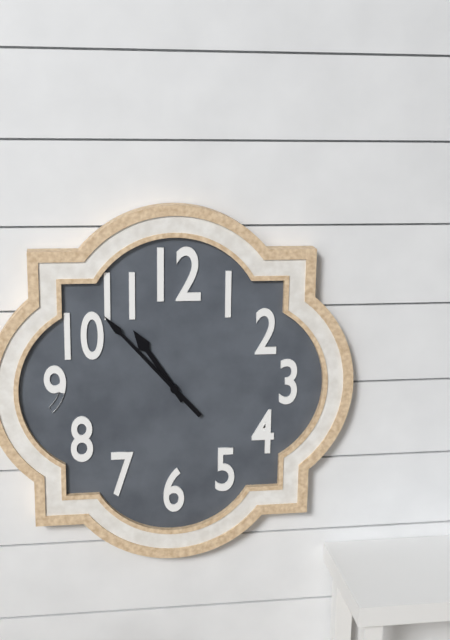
10.53
